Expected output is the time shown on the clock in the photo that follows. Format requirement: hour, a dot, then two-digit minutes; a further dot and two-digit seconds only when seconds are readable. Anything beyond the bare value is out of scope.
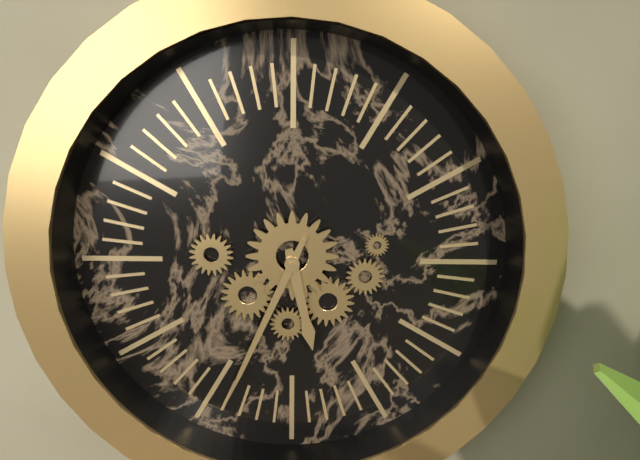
5.34
